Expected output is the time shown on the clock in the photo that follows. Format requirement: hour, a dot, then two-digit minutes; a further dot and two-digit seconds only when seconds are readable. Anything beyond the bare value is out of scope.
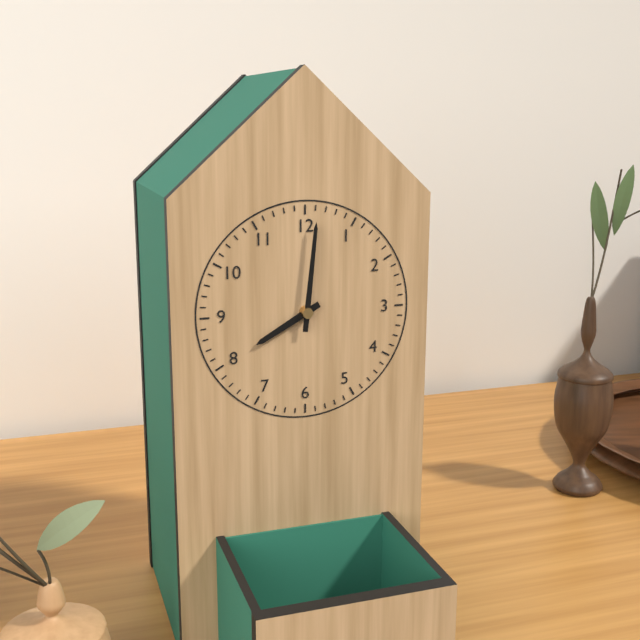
8.01
